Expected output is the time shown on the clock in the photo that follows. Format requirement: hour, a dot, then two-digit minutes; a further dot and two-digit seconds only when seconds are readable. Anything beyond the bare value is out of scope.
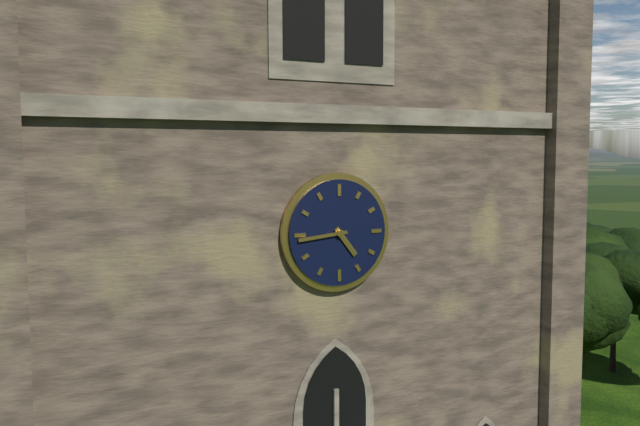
4.44
